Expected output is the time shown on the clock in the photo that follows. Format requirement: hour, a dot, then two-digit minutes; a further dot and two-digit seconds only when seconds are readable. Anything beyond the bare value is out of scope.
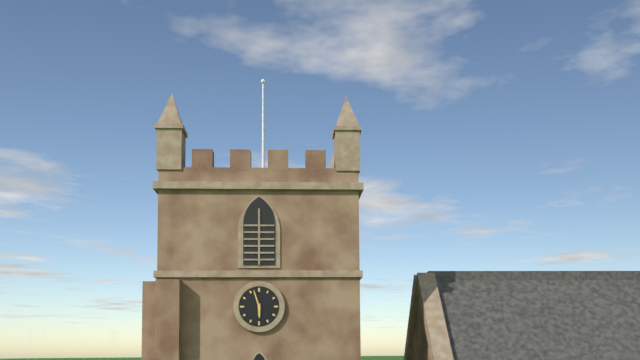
5.57
